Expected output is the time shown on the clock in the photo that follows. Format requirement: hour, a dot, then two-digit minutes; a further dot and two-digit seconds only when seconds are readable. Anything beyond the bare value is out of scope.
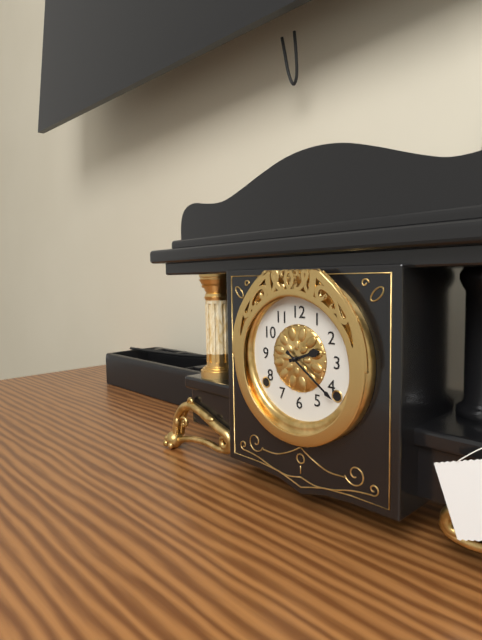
2.21
